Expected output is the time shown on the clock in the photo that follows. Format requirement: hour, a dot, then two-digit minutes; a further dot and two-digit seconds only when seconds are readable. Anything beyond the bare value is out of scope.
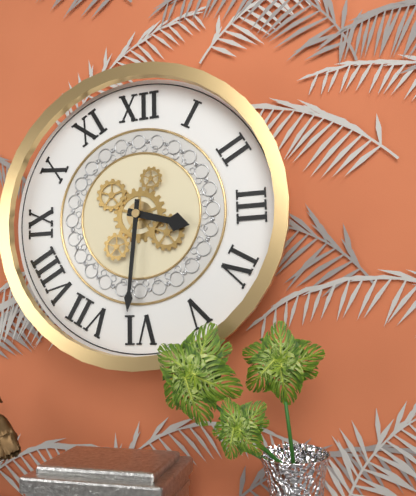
3.31
